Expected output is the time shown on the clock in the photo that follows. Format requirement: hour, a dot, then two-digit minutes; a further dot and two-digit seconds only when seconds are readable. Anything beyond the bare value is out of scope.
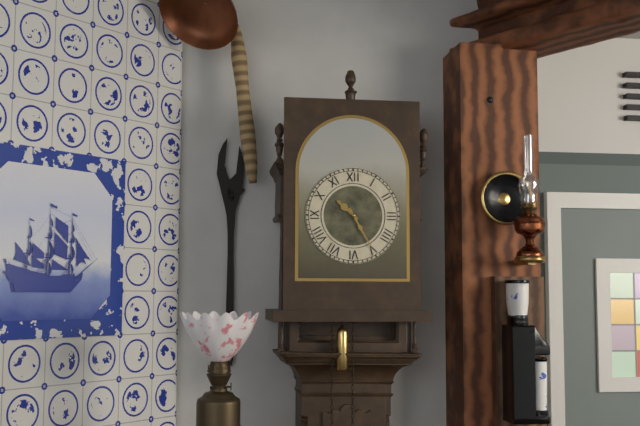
10.25
